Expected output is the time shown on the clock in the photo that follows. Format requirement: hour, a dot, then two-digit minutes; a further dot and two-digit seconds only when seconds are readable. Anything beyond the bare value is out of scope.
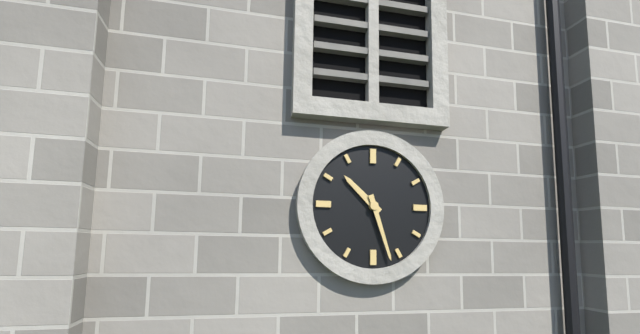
10.27
